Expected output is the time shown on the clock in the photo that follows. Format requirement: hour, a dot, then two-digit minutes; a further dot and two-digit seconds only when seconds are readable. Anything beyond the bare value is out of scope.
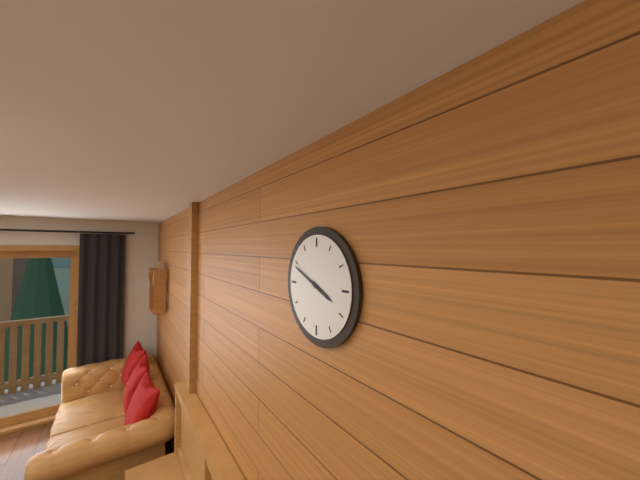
3.49
